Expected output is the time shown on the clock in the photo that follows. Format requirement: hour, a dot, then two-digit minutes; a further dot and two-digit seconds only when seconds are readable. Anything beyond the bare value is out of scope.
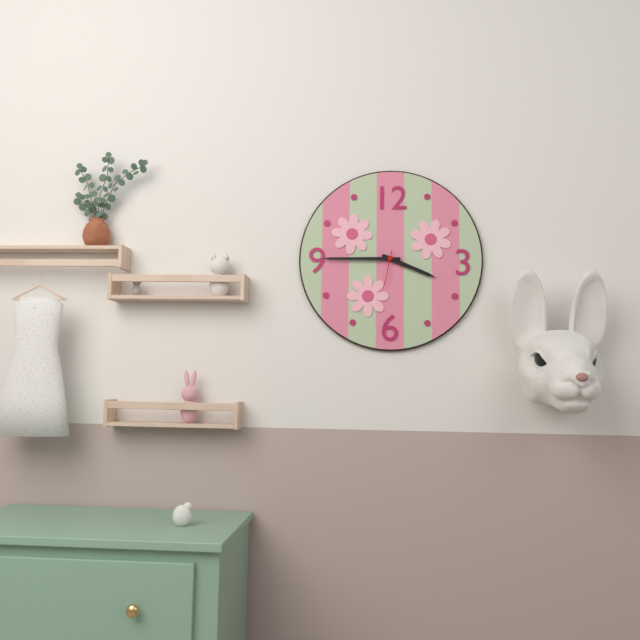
3.45
